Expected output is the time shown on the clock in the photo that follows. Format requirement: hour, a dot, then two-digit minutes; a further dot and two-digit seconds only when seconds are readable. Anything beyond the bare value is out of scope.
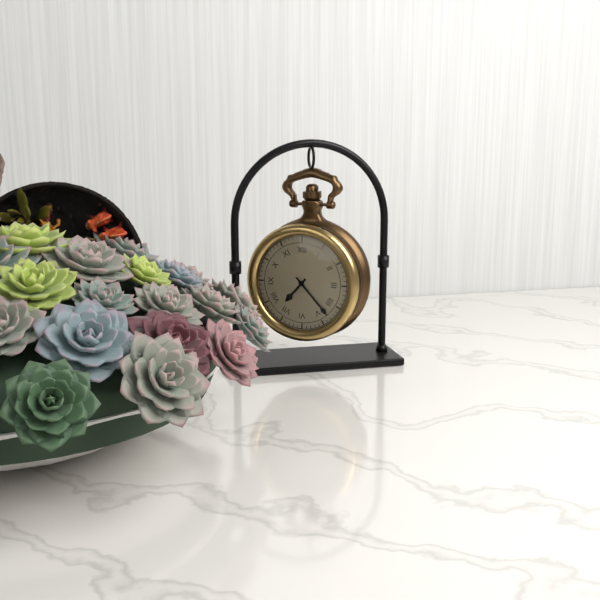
7.23
